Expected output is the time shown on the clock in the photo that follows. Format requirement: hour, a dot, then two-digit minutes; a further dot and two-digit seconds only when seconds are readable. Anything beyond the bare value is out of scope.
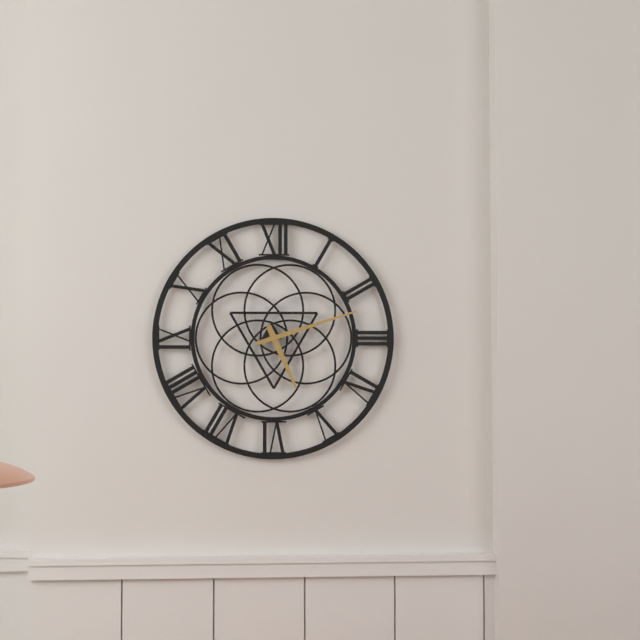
5.12
